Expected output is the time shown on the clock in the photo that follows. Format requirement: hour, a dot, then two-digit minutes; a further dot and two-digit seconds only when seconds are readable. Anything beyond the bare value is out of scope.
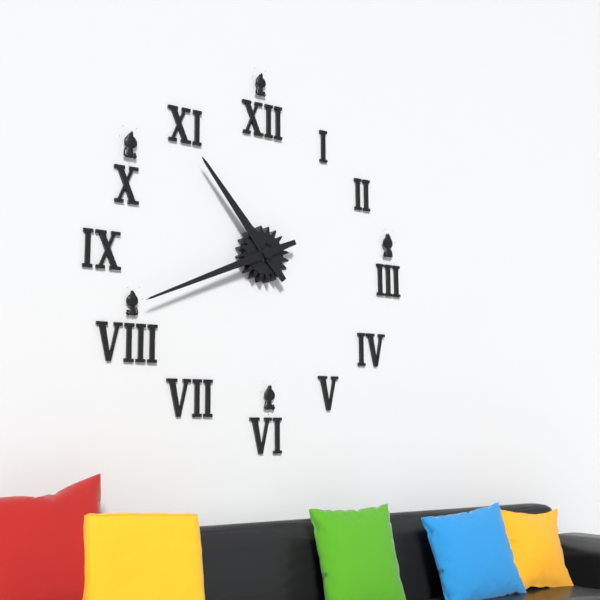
10.41
